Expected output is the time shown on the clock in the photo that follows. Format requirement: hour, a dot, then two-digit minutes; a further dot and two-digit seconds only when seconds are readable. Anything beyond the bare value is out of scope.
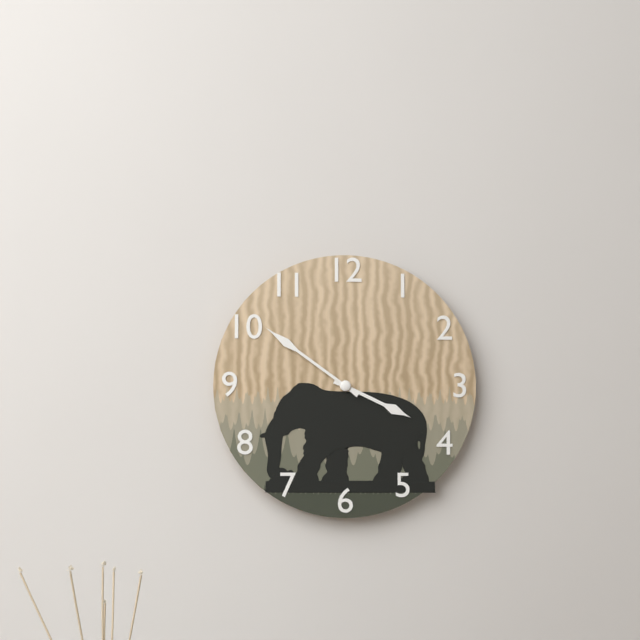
3.51
